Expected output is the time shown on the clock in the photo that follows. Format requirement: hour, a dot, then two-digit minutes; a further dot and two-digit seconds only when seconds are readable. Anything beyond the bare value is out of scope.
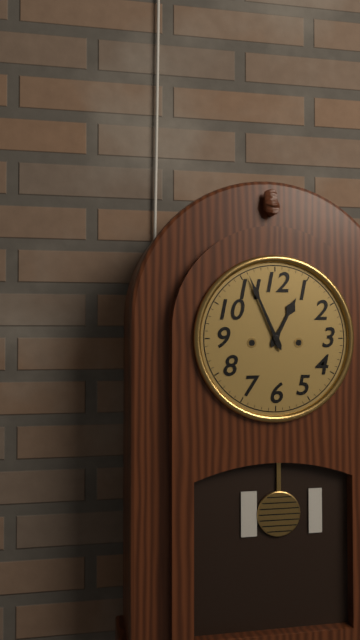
12.56
